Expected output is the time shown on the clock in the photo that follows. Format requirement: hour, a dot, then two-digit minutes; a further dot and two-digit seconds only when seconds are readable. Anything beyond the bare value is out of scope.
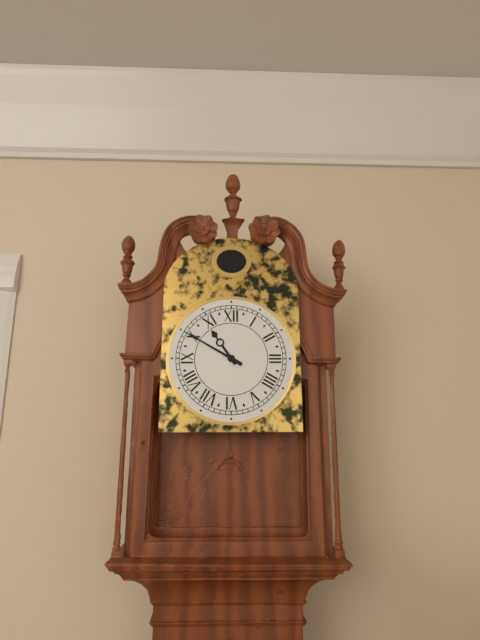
10.50
